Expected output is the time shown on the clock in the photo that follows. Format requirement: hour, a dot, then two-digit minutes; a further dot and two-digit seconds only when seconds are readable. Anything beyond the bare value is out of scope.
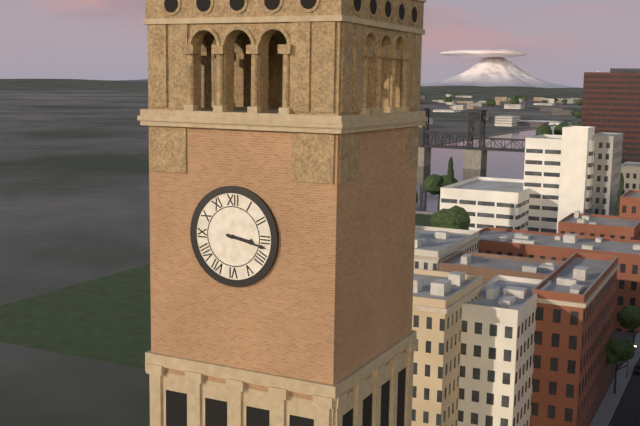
3.17
